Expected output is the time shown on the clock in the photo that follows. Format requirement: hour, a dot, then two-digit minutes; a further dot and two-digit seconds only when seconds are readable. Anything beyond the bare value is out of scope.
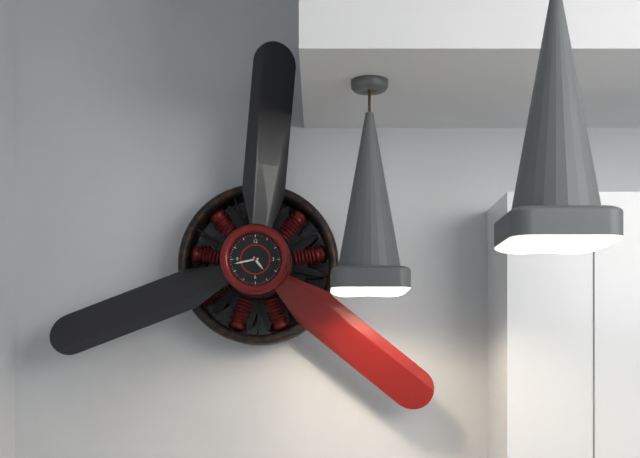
4.43
